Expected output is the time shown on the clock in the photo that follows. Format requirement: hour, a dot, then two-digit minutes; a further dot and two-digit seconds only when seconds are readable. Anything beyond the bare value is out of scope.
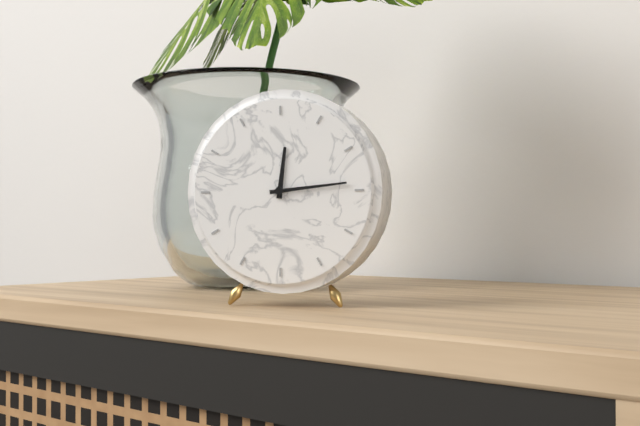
12.14
